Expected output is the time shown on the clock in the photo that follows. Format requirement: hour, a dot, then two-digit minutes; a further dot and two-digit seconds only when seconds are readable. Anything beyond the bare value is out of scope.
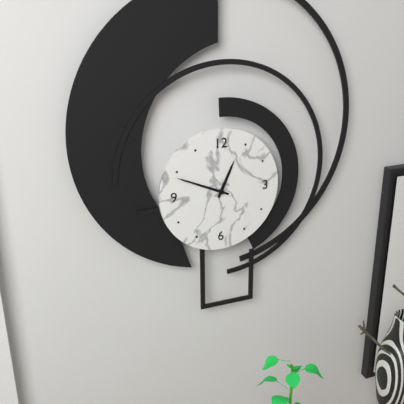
12.49
